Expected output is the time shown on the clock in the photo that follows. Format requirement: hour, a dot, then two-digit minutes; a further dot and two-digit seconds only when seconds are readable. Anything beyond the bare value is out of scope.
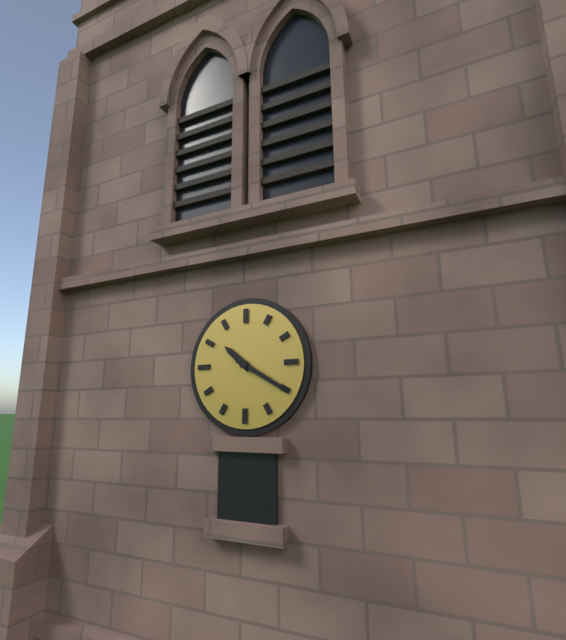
10.20
